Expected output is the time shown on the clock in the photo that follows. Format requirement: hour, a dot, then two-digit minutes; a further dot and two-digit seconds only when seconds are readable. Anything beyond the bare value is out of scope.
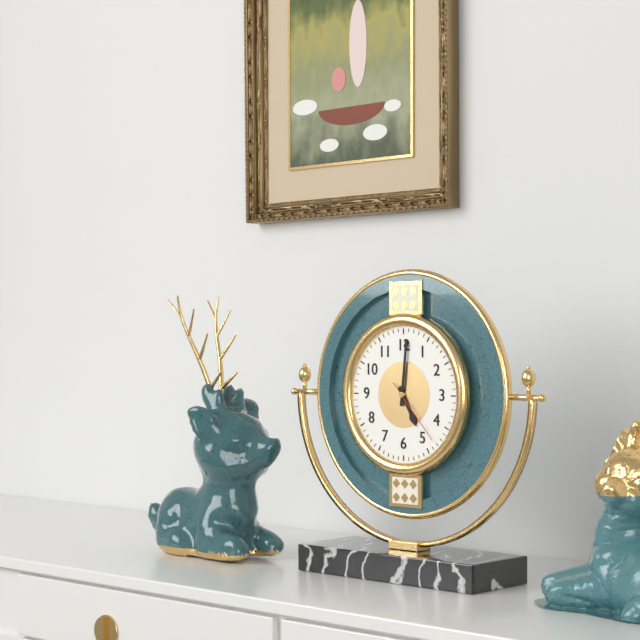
5.01.23
